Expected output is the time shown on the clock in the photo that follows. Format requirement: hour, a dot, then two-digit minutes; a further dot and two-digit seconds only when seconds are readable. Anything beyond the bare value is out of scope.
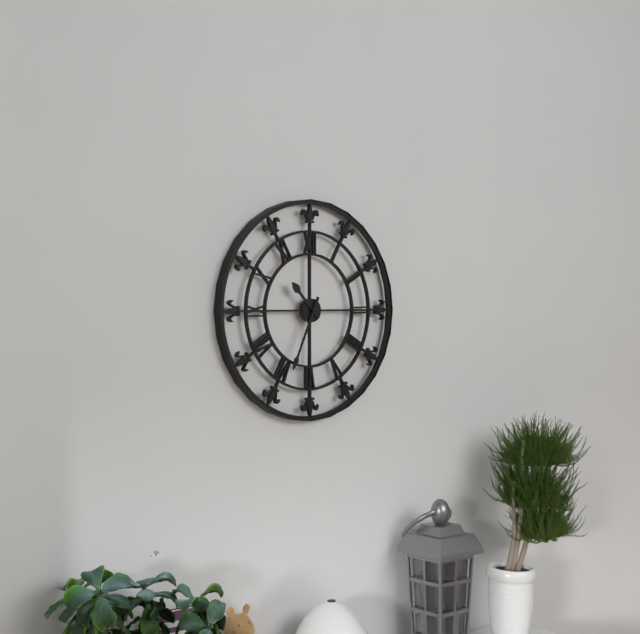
10.34
